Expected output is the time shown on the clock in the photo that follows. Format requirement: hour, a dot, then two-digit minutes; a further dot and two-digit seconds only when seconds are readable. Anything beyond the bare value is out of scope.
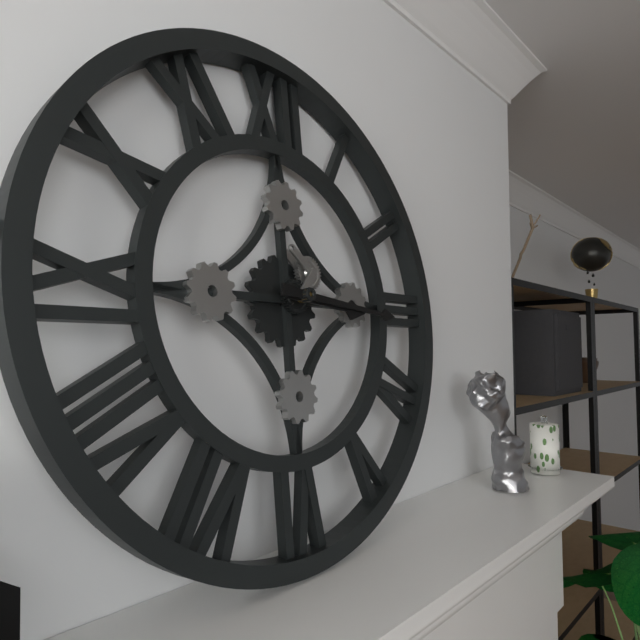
3.16
